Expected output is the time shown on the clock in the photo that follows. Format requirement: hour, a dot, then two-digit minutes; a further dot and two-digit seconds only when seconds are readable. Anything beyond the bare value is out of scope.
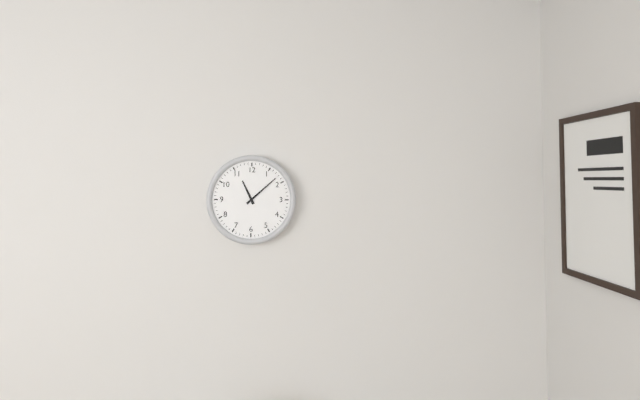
11.08
